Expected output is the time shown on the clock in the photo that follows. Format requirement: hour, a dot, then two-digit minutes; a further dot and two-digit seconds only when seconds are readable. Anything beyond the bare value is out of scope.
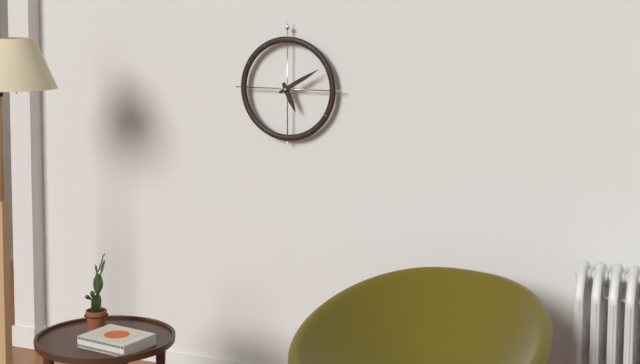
5.10
